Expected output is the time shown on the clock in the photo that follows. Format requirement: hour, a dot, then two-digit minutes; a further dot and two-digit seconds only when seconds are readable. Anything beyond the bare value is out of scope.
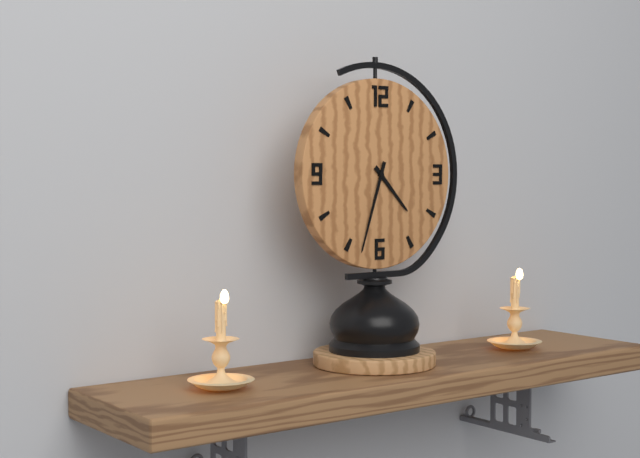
4.33
